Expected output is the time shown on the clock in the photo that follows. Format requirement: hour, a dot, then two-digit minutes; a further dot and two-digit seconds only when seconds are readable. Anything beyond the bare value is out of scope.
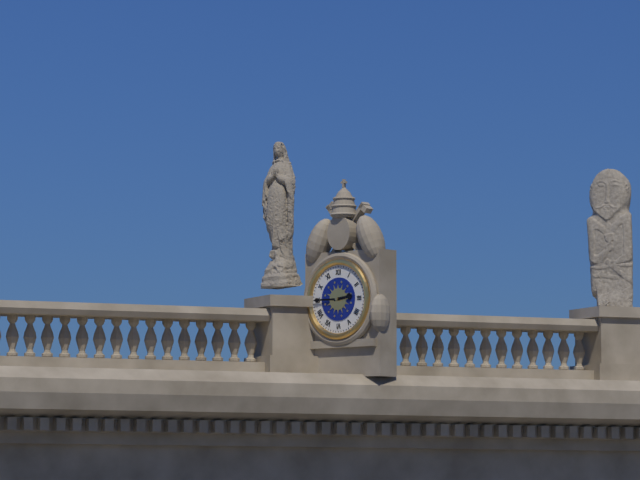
2.45
